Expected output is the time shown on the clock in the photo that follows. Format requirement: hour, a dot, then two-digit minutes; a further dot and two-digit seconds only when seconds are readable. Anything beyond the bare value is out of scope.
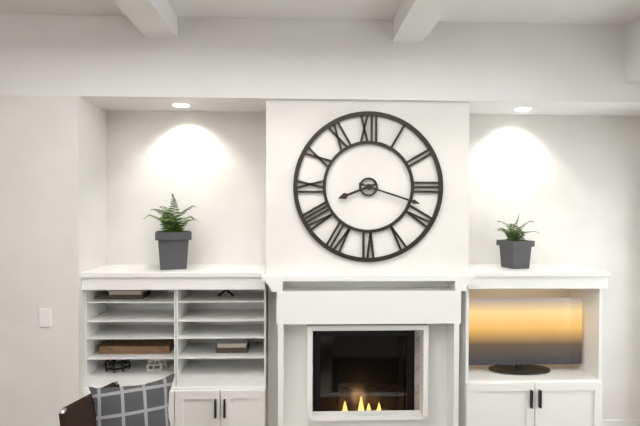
8.18
